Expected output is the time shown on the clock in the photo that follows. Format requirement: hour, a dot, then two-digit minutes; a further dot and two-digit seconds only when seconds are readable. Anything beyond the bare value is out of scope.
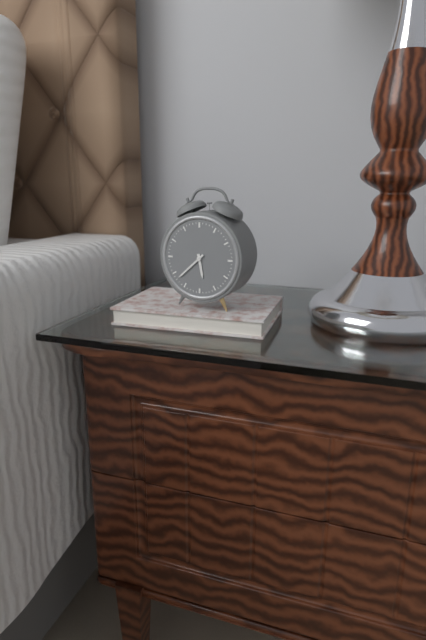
5.38
